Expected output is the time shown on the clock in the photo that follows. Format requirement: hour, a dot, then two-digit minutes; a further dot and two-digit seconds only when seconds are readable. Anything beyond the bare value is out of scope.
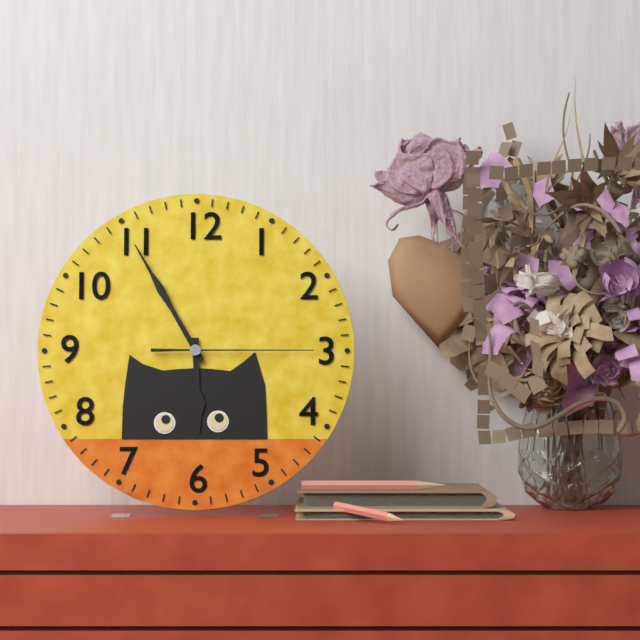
5.55.15
